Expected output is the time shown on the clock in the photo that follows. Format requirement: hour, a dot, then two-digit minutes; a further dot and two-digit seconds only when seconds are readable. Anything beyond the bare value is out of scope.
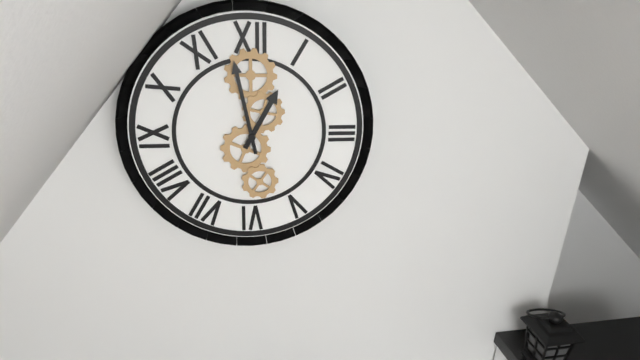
12.58
